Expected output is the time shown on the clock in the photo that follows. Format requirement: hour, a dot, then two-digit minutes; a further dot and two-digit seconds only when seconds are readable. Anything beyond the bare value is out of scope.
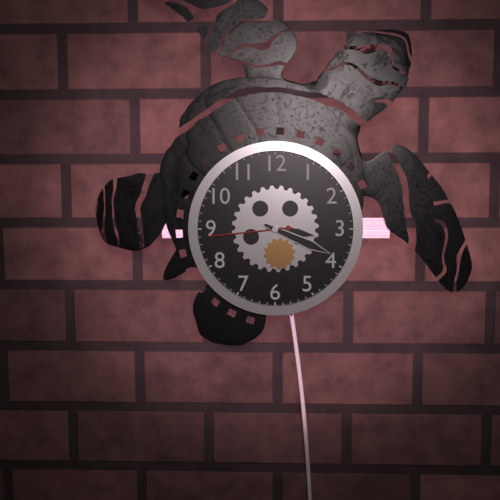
3.19.44
